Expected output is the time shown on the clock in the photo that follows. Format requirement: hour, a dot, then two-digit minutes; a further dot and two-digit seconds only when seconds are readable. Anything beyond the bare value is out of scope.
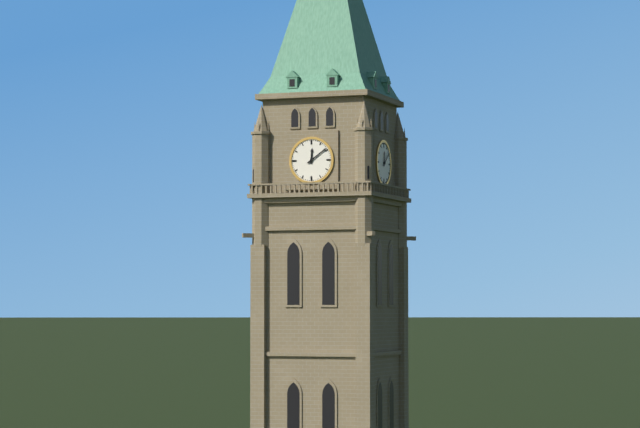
12.09
